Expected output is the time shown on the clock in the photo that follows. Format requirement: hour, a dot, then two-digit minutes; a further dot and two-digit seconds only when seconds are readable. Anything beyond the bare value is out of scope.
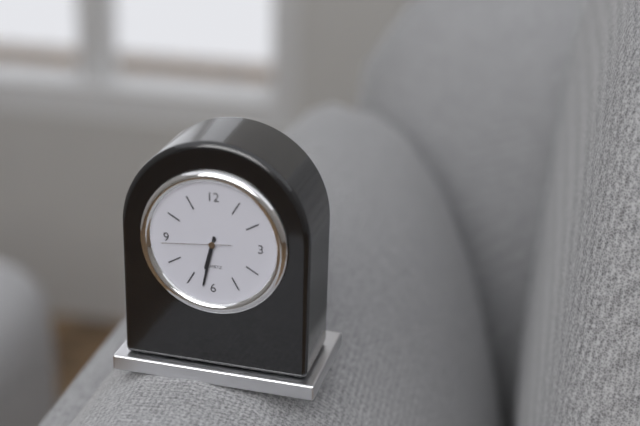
6.32.44
